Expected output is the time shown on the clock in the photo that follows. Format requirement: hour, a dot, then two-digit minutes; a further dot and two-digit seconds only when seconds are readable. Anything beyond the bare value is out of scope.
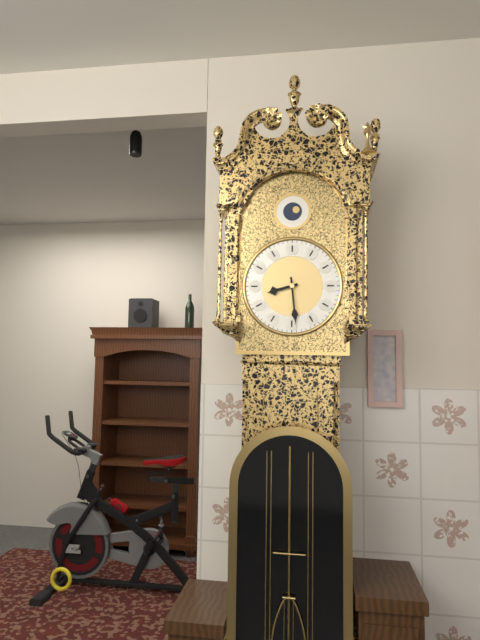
8.29
